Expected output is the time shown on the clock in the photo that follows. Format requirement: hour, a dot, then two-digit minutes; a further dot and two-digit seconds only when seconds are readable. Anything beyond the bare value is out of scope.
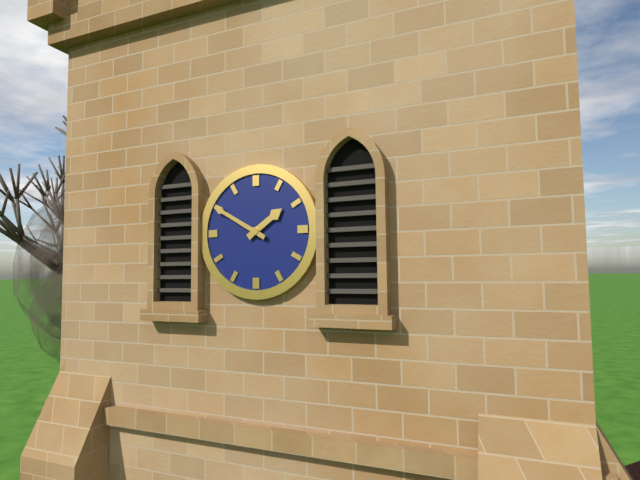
1.50
